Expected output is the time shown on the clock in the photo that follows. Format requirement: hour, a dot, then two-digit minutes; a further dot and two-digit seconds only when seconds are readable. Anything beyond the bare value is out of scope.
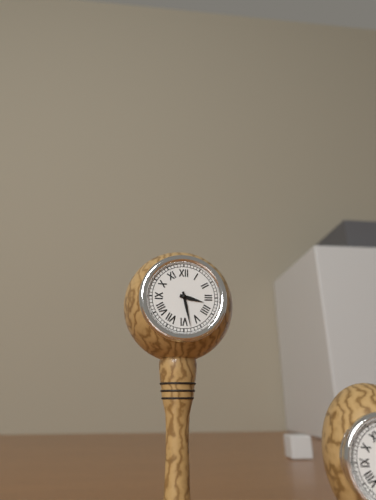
3.28
